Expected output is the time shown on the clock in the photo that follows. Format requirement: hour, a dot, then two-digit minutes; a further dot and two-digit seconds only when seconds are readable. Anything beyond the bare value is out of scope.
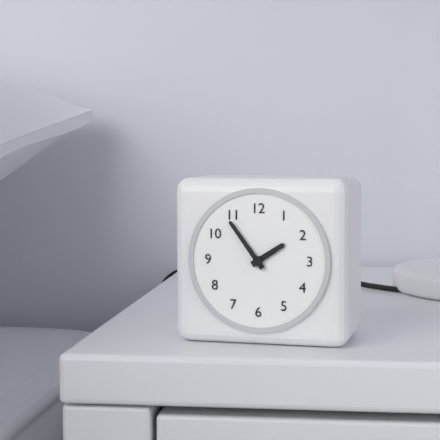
1.54
